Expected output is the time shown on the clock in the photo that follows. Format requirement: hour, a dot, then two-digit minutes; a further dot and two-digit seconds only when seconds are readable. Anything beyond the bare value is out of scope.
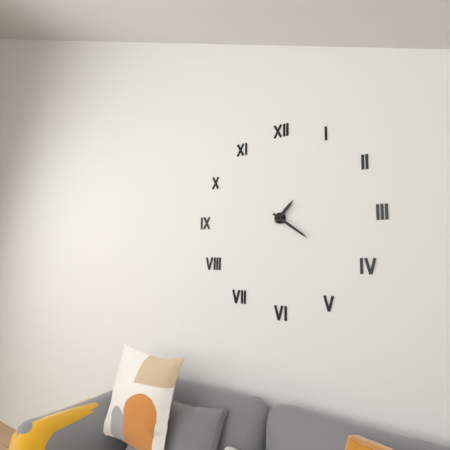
1.21
